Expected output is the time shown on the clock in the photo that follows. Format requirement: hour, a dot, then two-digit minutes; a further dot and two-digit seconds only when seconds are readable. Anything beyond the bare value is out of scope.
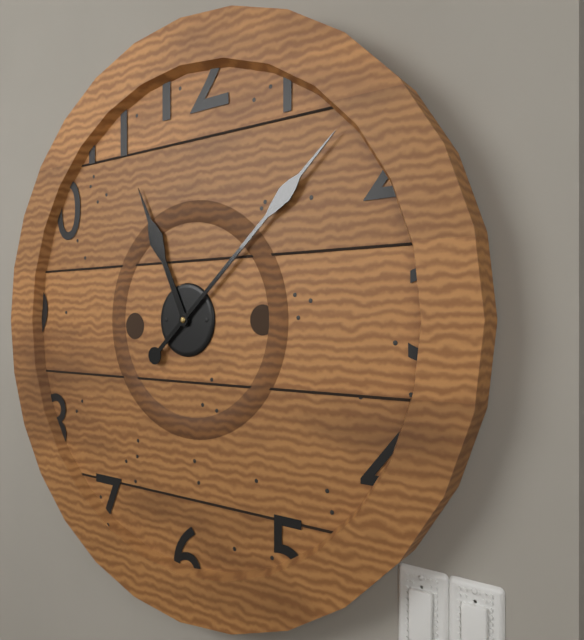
11.08
